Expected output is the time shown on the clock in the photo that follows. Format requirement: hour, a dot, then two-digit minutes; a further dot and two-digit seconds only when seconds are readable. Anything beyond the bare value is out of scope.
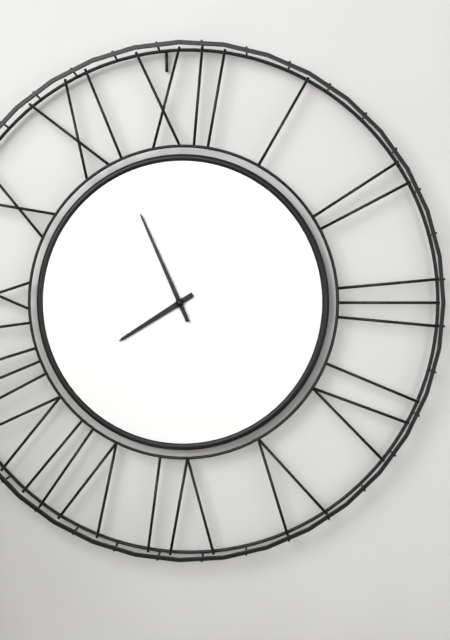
7.56
